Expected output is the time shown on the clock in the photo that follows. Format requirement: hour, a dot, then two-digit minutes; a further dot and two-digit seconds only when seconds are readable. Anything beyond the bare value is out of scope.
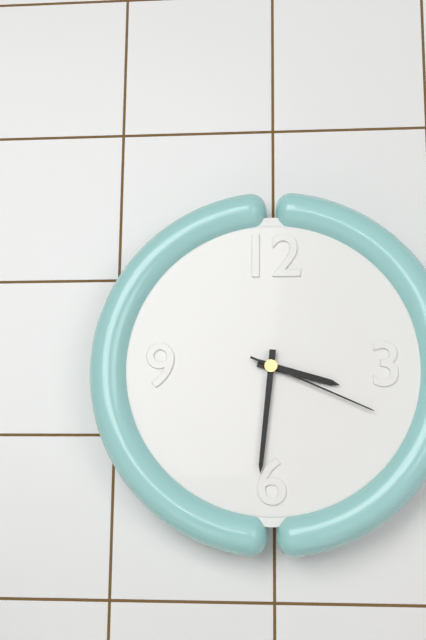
3.31.19
